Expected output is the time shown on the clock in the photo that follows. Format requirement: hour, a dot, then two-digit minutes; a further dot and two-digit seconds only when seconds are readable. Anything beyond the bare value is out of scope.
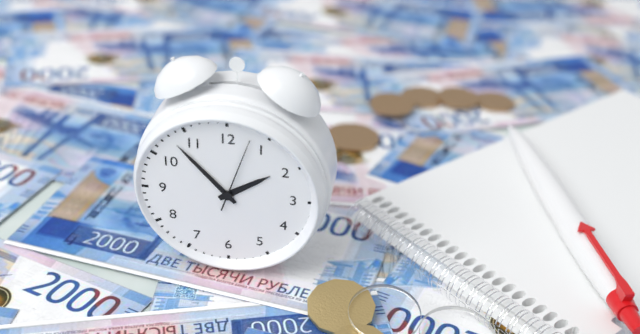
1.53.03
